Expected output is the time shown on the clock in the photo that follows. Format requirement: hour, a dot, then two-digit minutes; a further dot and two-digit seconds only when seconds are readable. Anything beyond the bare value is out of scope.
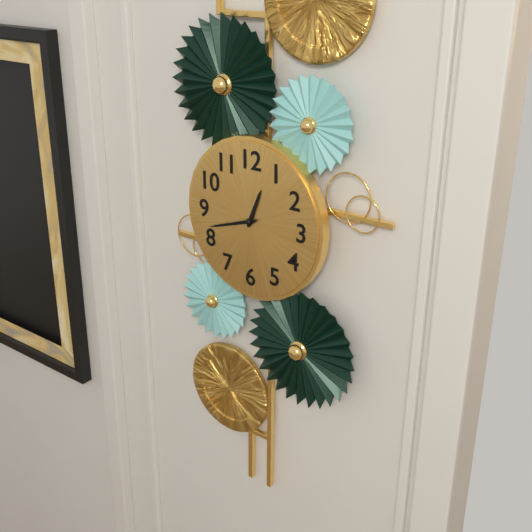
12.42
